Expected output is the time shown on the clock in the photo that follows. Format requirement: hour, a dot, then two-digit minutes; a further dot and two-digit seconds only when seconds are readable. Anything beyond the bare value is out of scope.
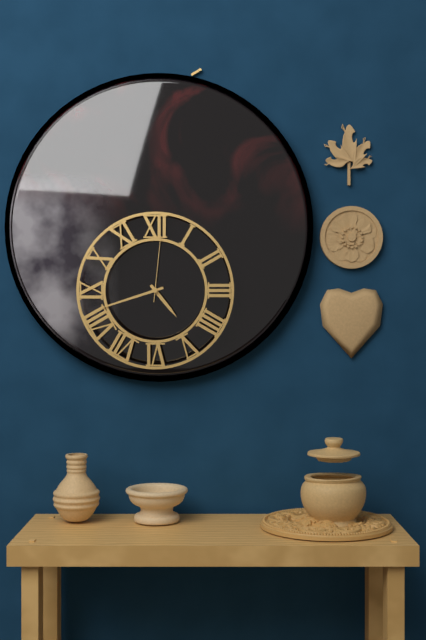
4.42.01
